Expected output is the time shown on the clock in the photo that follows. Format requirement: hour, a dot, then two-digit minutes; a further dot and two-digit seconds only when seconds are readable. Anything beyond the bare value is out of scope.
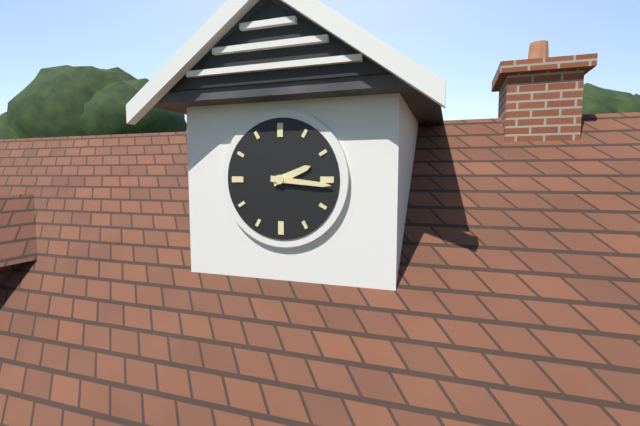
2.16
